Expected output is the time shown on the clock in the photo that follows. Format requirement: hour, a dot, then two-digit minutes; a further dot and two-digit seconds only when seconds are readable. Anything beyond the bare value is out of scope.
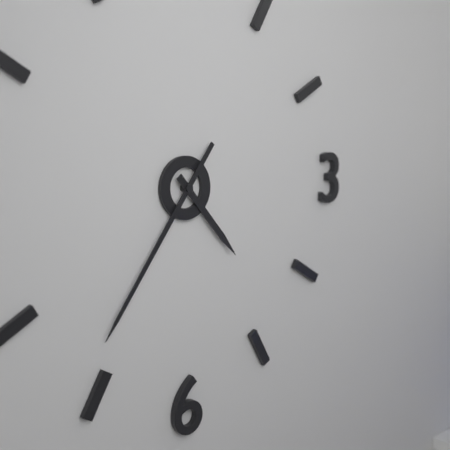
4.36
